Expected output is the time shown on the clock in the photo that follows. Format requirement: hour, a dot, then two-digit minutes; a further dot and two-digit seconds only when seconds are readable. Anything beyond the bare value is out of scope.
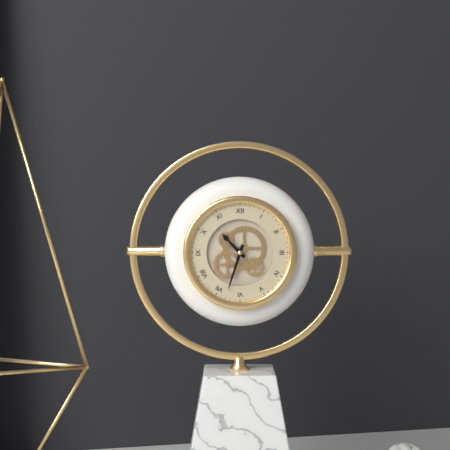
10.33
